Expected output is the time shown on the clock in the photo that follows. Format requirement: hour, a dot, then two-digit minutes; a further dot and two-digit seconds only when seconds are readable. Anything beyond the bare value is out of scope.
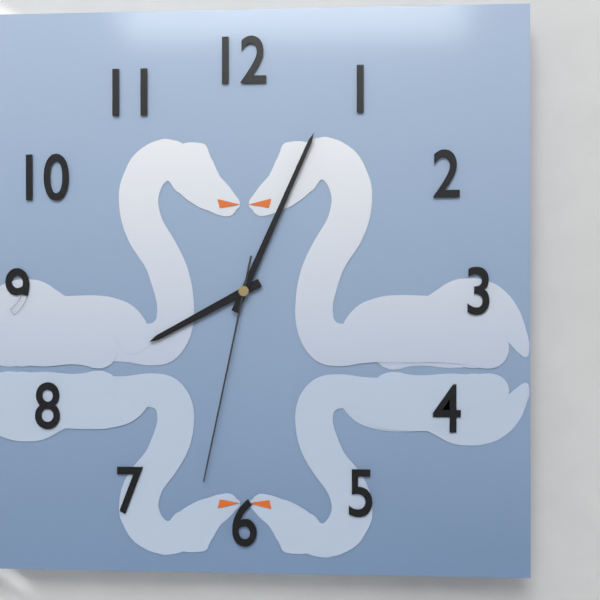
8.04.32
